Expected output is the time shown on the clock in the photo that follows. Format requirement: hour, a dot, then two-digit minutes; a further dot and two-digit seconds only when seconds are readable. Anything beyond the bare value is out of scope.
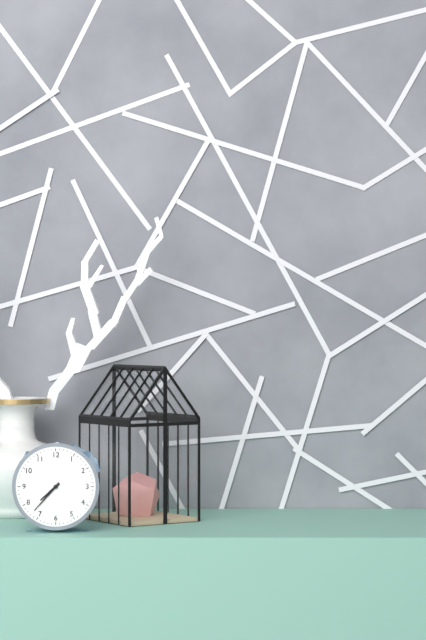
7.37
